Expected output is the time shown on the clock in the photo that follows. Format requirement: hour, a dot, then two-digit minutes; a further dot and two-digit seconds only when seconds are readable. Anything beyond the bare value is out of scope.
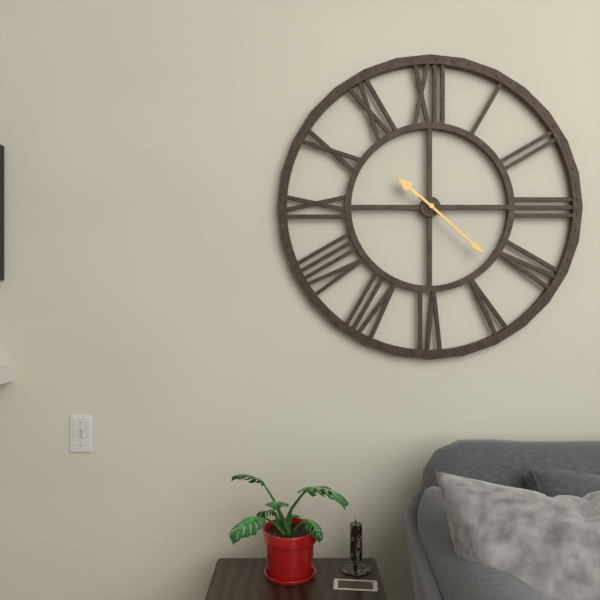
10.22
